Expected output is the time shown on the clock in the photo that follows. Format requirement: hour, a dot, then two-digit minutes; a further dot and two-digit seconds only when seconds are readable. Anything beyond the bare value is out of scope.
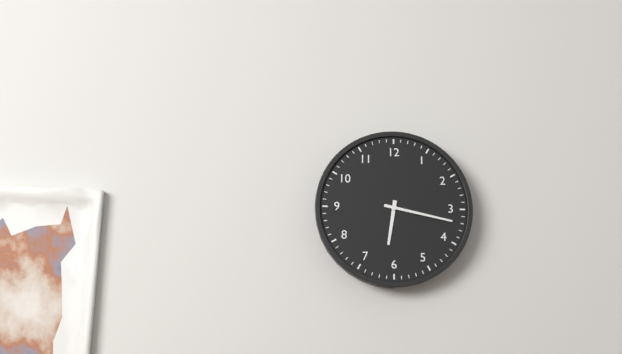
6.17
